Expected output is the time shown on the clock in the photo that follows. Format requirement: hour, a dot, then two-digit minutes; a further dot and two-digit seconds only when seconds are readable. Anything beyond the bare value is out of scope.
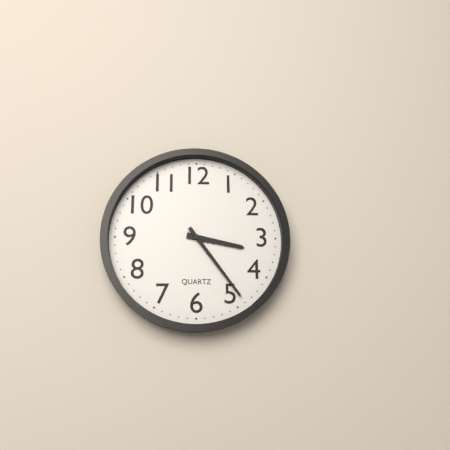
3.24
